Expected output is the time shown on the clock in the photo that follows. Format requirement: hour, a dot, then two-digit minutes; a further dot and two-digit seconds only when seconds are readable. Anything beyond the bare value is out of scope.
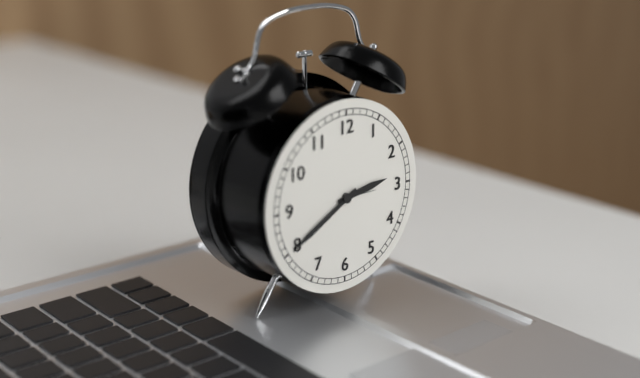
2.40
